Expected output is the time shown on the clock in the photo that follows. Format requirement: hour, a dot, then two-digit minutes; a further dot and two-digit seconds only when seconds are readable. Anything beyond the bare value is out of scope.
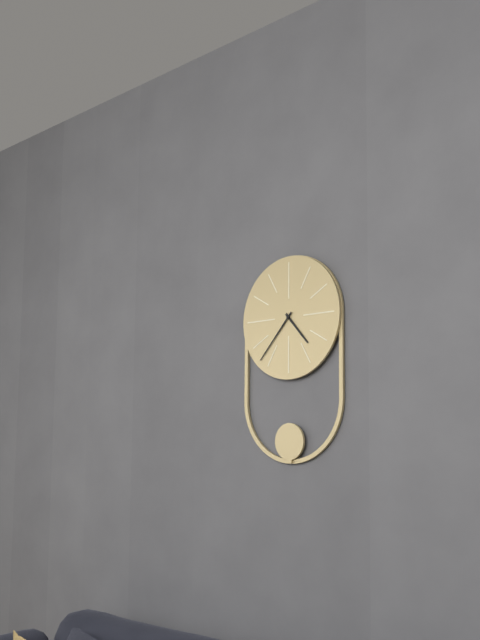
4.37
